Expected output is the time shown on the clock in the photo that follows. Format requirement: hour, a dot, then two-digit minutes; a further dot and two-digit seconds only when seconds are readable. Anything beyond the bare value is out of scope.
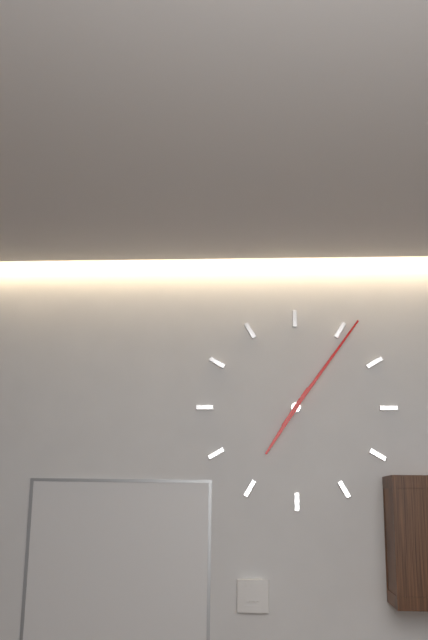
7.06
